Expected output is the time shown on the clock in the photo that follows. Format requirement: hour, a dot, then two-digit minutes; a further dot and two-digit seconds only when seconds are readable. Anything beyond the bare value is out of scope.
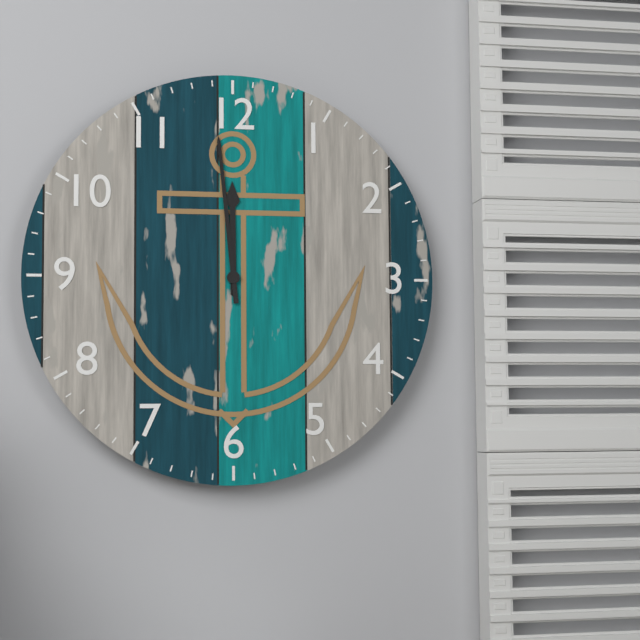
11.59
